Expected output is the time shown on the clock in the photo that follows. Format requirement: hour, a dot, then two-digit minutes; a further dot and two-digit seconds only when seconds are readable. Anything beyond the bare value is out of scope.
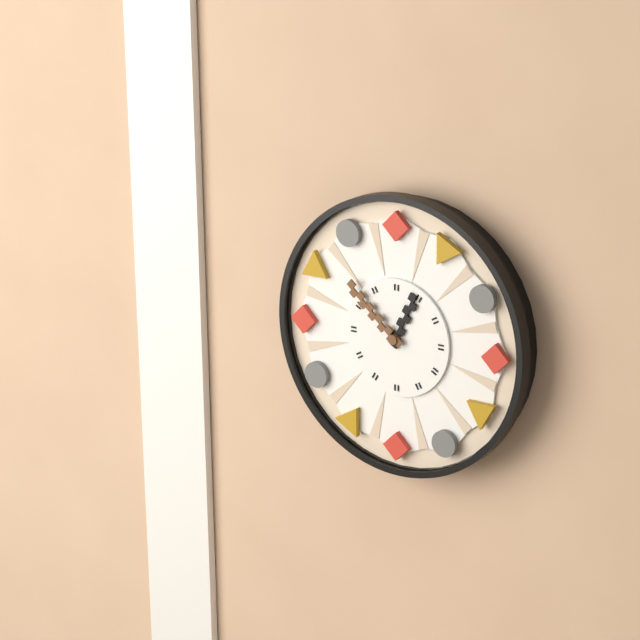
12.52
